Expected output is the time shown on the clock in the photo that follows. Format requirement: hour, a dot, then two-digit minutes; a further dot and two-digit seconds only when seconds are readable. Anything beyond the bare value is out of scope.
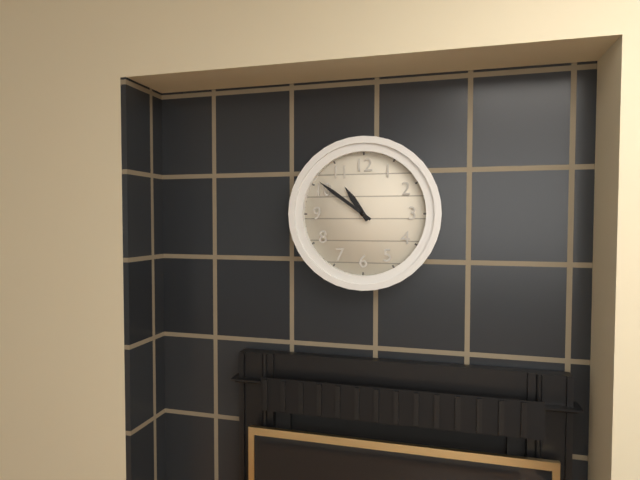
10.51
